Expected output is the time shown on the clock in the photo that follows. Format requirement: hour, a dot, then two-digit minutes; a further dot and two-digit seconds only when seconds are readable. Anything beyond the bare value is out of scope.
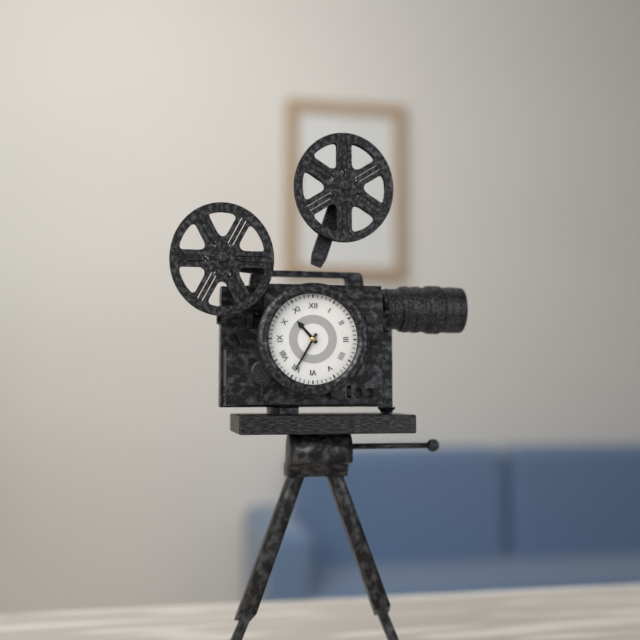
10.35
